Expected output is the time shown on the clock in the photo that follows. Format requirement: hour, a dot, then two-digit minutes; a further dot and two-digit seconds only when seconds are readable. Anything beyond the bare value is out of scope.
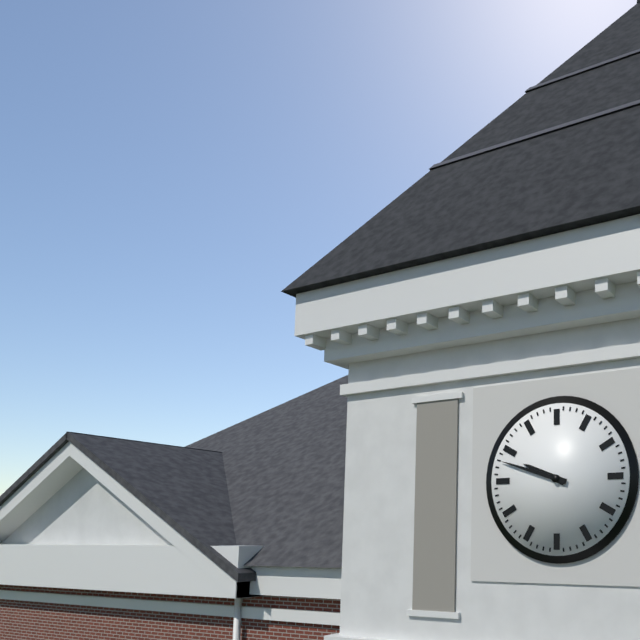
9.48
